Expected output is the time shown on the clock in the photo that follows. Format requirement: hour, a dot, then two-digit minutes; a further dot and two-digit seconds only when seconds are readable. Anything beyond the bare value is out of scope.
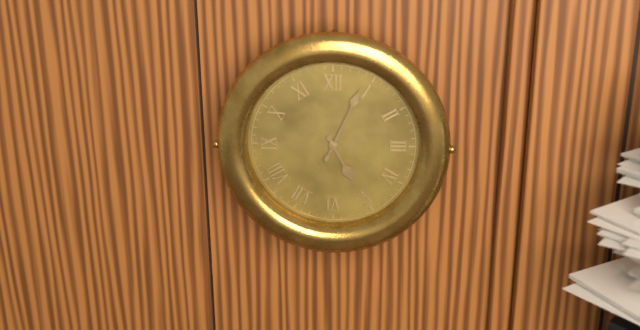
5.04.04
